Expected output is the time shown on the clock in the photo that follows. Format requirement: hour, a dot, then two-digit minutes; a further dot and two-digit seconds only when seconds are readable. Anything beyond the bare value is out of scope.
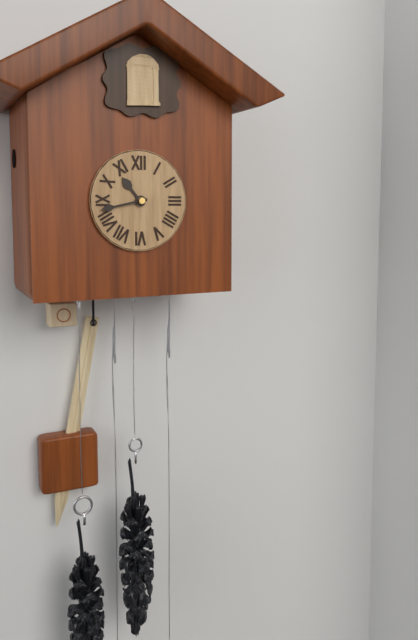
10.43
